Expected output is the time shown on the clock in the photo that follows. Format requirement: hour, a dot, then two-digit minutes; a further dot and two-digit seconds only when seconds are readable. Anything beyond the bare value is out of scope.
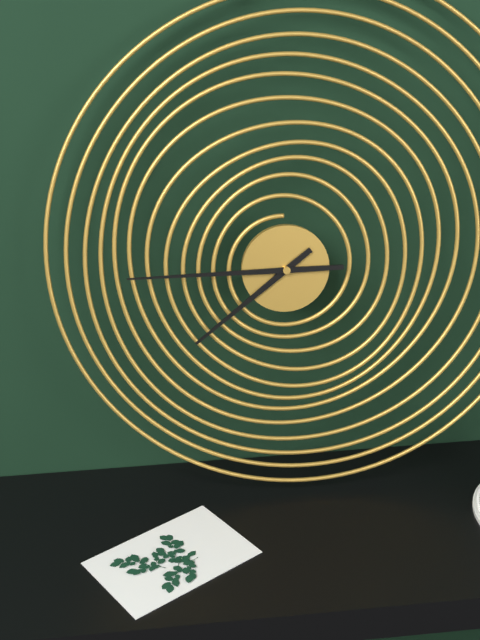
7.45
